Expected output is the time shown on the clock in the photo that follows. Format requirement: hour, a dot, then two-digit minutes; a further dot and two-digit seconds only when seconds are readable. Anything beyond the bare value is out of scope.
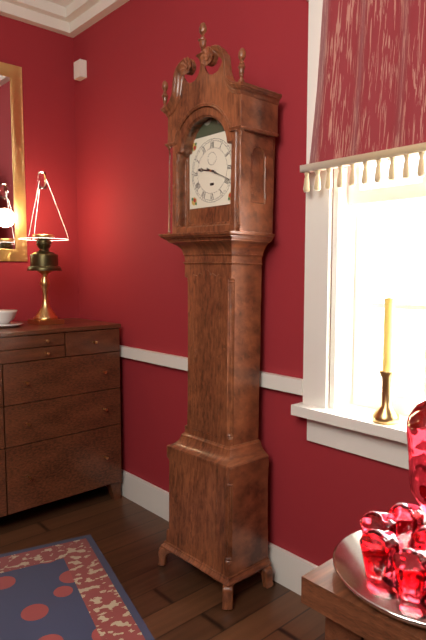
9.19
